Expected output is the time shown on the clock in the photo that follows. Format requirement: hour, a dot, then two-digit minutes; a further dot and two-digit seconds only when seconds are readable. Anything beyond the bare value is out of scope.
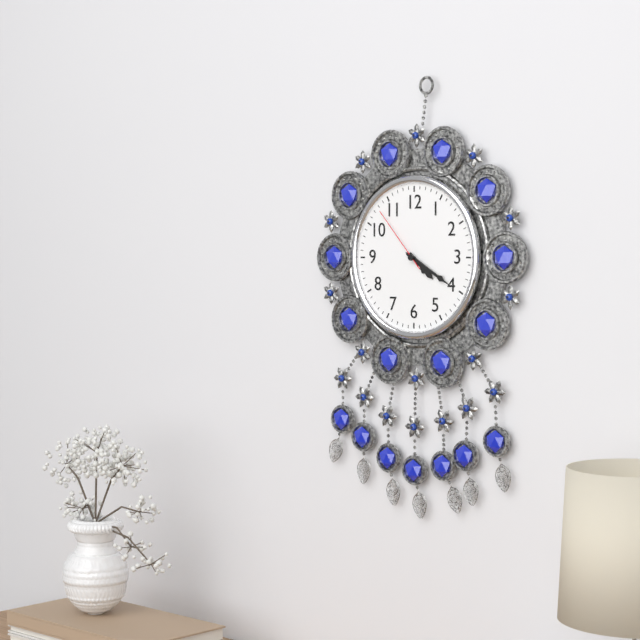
4.20.53
